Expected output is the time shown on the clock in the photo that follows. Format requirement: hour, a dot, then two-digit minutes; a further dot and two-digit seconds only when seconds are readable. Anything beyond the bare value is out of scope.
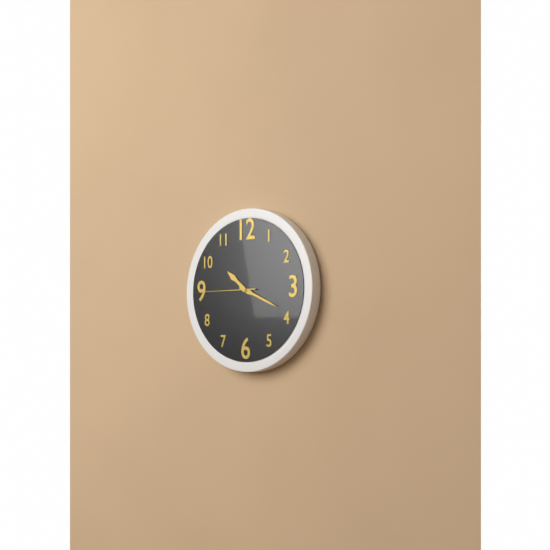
10.19.45
